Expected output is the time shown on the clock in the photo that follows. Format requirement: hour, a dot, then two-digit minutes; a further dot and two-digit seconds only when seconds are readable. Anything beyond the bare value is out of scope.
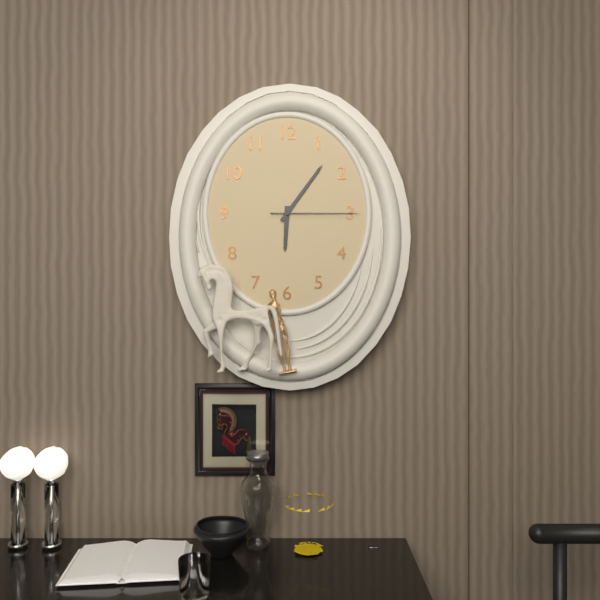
6.06.15
